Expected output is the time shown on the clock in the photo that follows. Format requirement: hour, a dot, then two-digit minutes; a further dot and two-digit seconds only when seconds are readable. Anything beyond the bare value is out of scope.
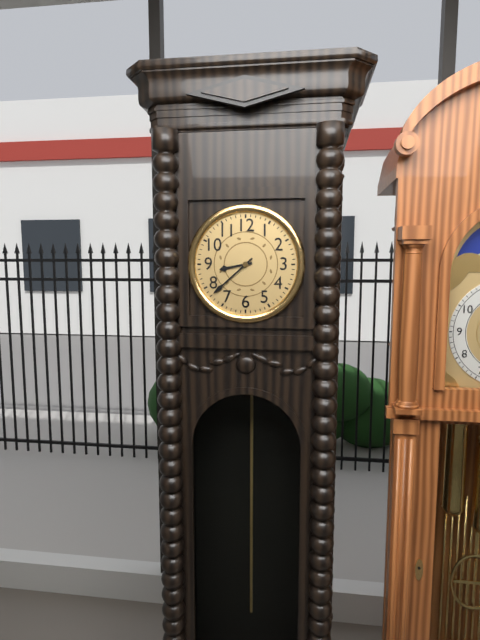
8.38
